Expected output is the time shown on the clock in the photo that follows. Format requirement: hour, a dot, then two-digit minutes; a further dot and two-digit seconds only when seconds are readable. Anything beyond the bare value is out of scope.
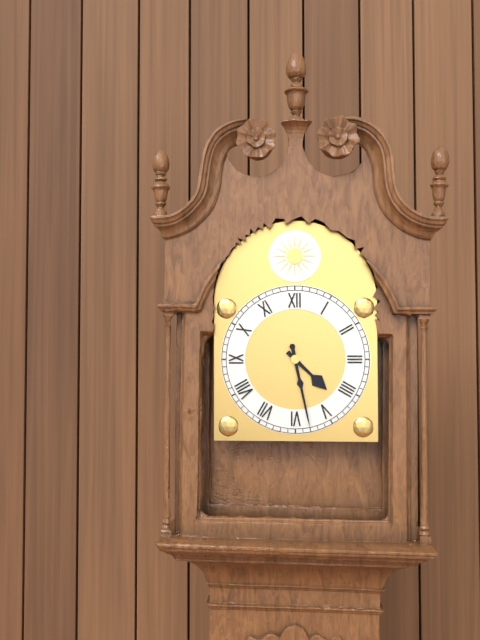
4.28
